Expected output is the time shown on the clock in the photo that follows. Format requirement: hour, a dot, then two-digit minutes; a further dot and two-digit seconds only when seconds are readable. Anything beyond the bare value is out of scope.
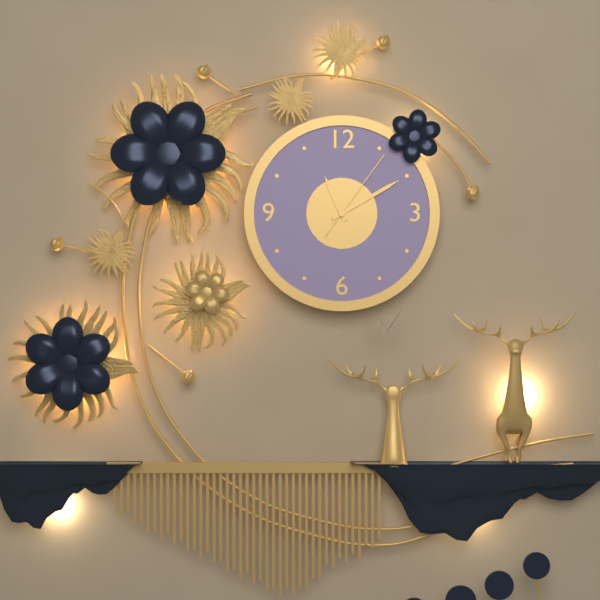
11.10.06
